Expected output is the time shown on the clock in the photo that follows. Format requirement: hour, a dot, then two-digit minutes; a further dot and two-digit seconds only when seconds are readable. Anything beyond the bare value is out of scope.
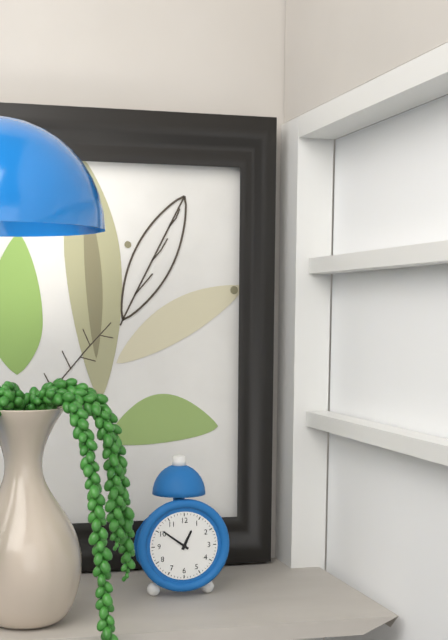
12.51
